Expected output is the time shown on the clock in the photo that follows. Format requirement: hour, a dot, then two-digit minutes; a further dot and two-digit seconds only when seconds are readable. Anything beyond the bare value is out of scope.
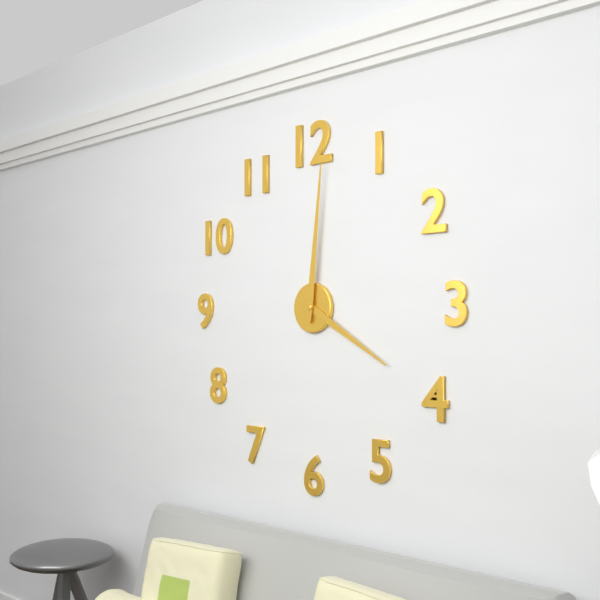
4.01
